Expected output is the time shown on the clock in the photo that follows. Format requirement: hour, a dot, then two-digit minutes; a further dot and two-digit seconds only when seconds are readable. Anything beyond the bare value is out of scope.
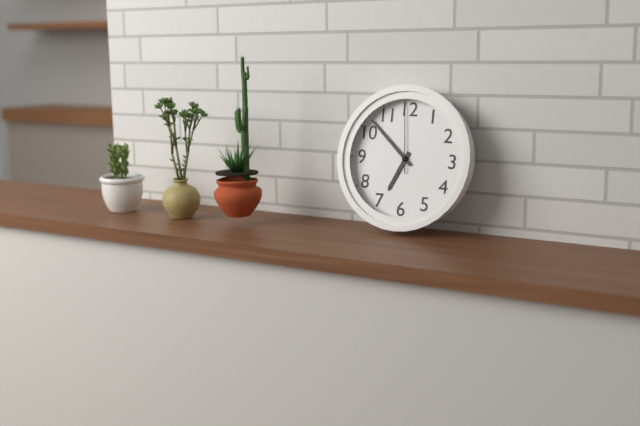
6.52.59
